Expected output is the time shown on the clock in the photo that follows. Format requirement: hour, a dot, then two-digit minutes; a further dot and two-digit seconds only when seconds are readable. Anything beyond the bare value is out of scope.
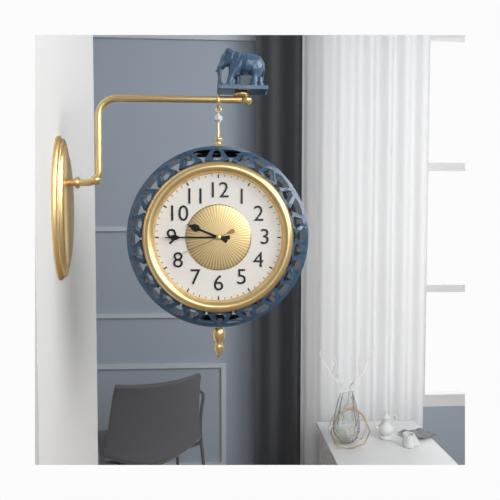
9.45.41
